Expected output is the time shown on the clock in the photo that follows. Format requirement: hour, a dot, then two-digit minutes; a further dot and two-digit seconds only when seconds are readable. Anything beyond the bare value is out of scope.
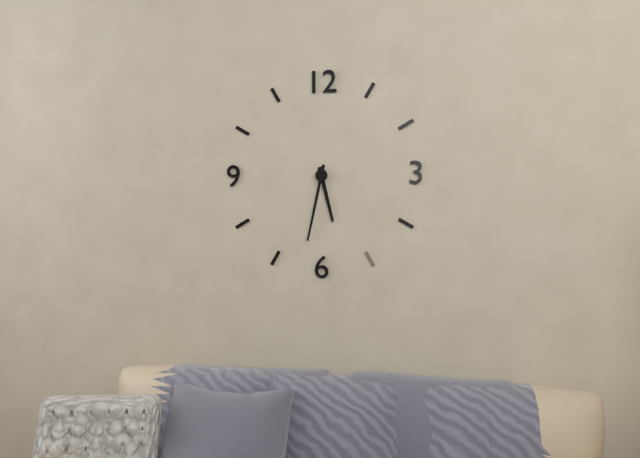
5.32
